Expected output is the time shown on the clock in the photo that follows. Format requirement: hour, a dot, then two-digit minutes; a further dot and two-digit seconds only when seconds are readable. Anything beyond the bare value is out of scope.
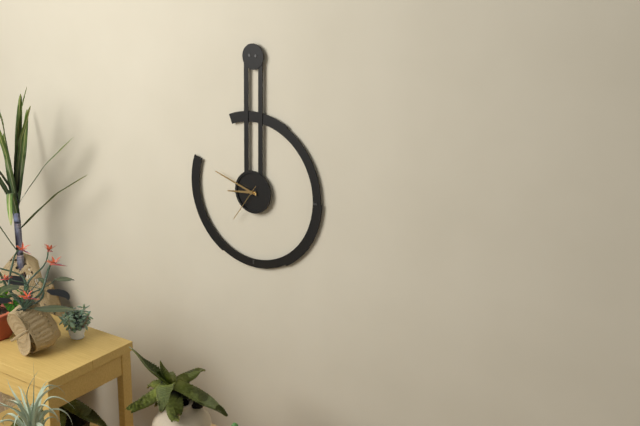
8.48
